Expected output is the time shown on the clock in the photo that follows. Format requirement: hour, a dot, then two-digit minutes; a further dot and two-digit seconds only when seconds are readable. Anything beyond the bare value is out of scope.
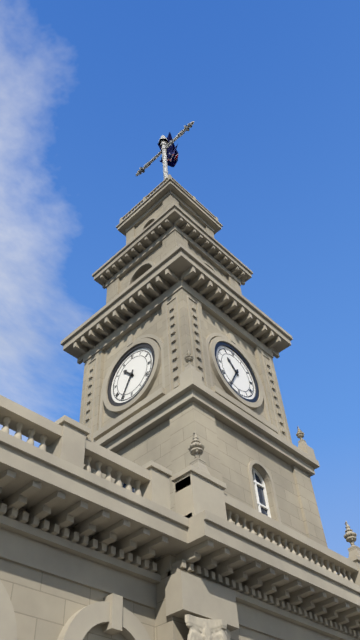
10.35
